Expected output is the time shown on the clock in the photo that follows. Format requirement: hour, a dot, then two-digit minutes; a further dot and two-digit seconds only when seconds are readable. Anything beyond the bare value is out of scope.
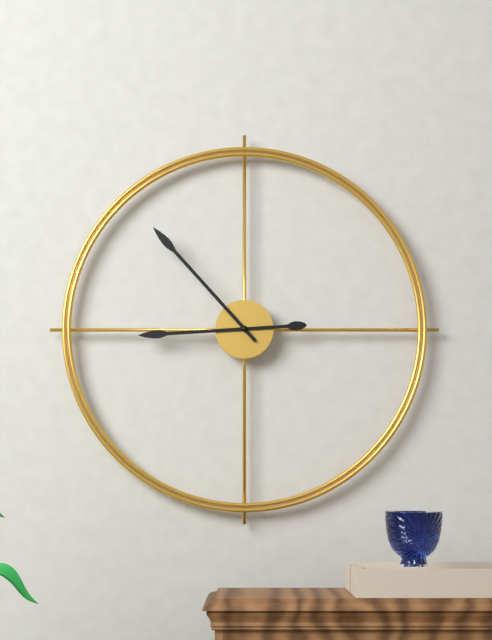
8.53
